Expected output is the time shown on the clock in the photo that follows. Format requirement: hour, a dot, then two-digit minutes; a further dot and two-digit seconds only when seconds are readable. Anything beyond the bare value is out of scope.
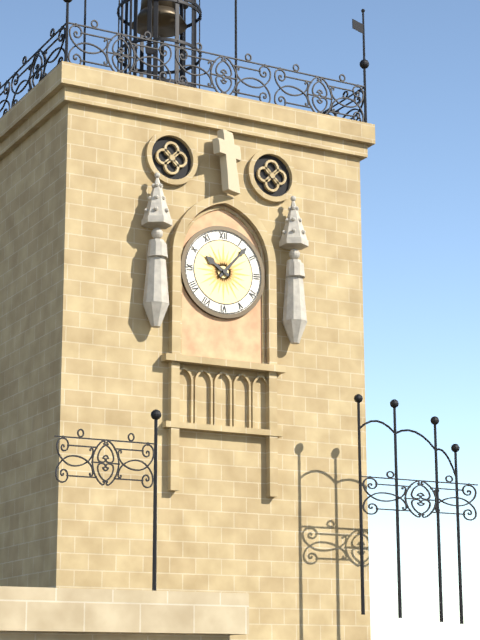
10.07
